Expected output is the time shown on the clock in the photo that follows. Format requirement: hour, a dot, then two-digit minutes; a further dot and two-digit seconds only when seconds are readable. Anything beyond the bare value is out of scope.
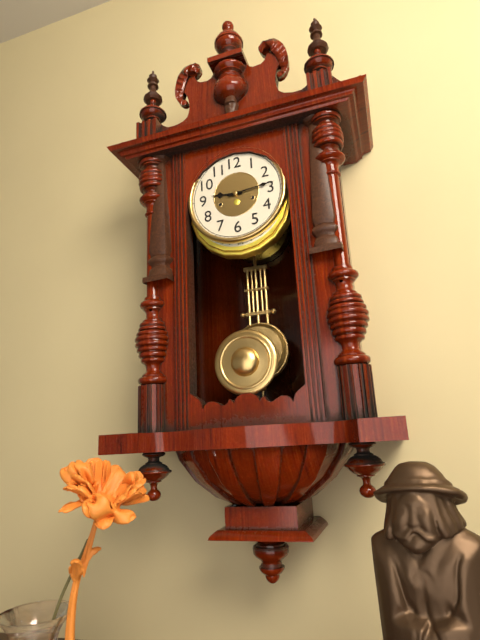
9.14
